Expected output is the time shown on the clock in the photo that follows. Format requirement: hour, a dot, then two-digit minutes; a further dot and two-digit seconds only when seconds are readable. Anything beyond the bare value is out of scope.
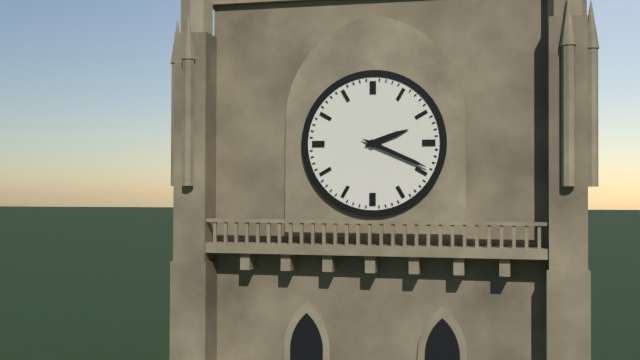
2.19
